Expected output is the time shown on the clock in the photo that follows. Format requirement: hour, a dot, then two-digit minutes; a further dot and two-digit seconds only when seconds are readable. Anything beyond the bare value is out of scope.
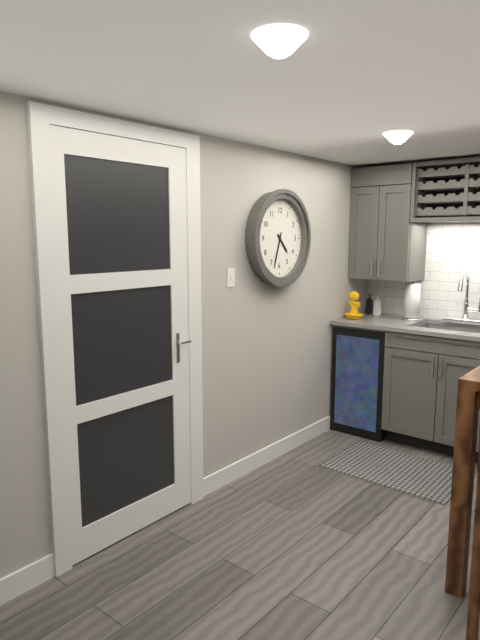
4.33
